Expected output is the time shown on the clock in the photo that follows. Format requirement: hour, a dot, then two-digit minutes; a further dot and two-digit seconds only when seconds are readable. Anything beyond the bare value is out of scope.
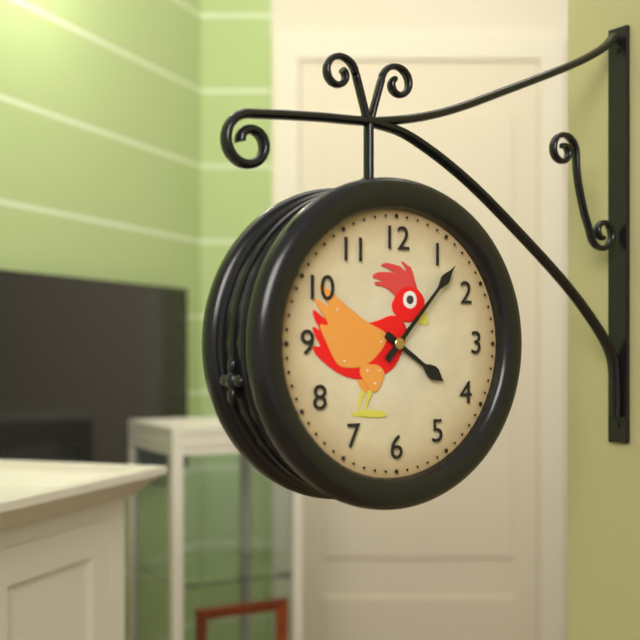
4.07
